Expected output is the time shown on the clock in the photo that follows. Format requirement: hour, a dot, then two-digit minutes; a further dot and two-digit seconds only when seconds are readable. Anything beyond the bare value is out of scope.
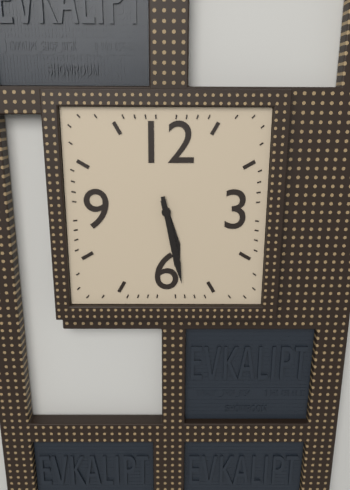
5.28
